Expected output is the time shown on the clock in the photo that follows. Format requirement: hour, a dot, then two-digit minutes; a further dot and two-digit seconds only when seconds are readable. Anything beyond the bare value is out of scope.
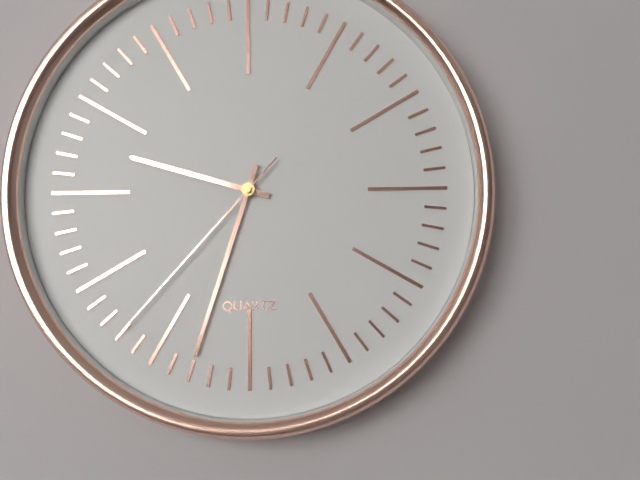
9.33.37
